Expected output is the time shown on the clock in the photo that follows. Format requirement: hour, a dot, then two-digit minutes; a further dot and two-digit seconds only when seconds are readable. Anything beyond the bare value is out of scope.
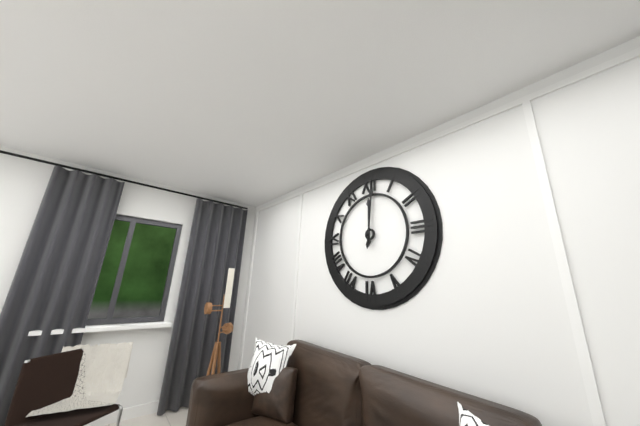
12.01
